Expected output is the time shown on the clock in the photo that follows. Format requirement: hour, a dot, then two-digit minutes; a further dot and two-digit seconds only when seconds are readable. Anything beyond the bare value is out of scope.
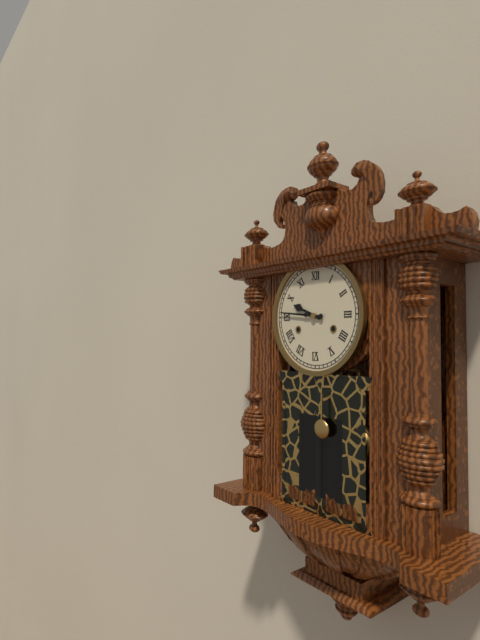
9.46
